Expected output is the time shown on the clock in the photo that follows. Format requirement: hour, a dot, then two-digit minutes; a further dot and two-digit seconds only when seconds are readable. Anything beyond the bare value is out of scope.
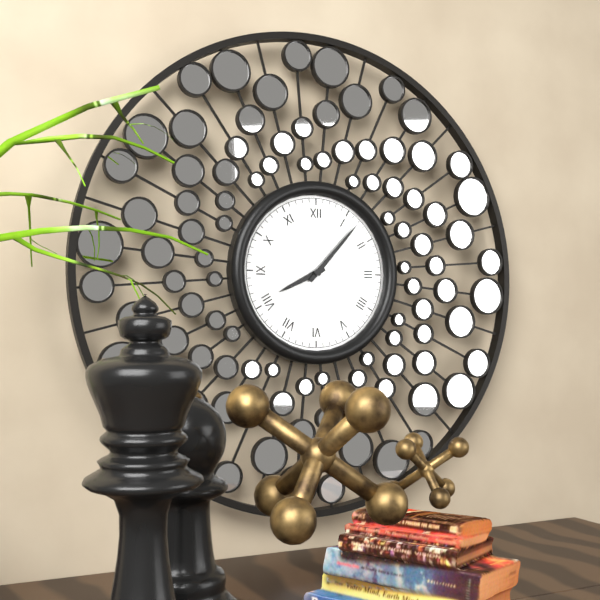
8.07
